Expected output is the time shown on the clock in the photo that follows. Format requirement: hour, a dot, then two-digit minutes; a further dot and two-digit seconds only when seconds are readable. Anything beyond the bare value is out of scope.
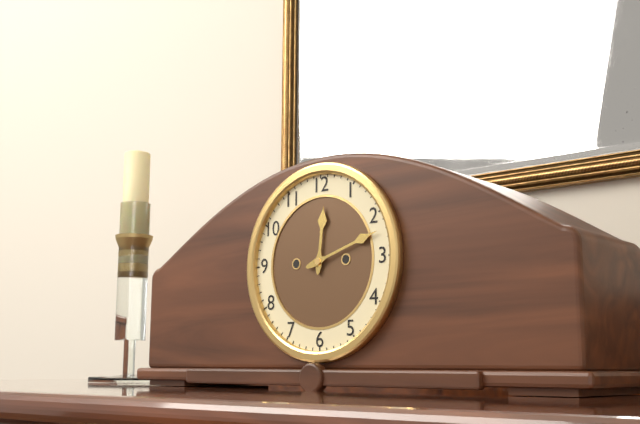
12.12
